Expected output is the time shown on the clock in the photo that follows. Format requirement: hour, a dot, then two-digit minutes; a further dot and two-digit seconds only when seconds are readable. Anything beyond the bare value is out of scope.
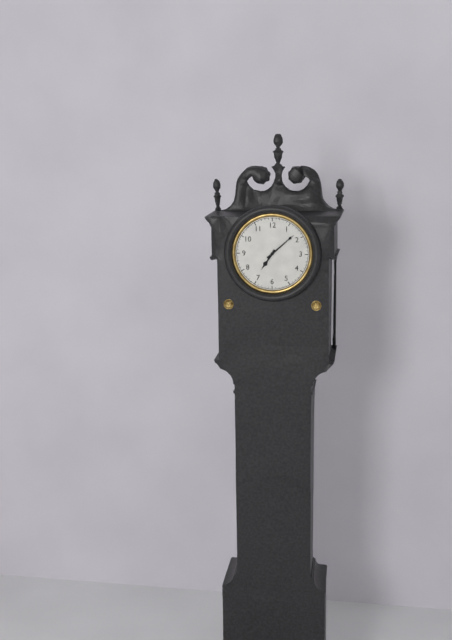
7.08
